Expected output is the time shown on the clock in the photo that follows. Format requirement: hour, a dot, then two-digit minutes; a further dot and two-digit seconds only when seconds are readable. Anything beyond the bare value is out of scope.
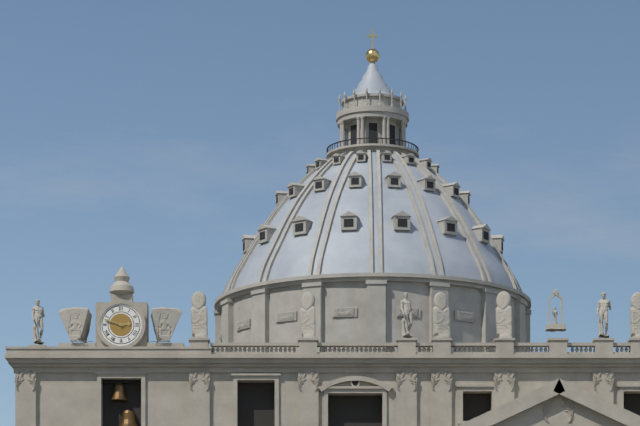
2.48
